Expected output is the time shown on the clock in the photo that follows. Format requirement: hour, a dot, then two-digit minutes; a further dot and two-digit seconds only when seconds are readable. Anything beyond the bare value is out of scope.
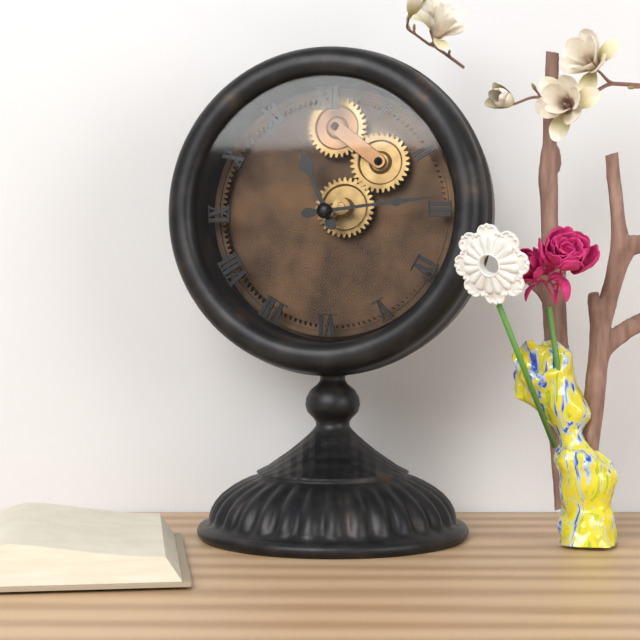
11.14
